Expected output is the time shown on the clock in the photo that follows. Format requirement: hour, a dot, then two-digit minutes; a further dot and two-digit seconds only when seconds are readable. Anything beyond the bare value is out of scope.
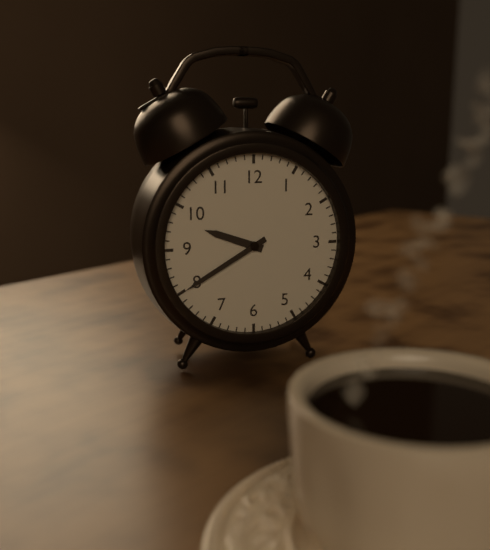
9.40
